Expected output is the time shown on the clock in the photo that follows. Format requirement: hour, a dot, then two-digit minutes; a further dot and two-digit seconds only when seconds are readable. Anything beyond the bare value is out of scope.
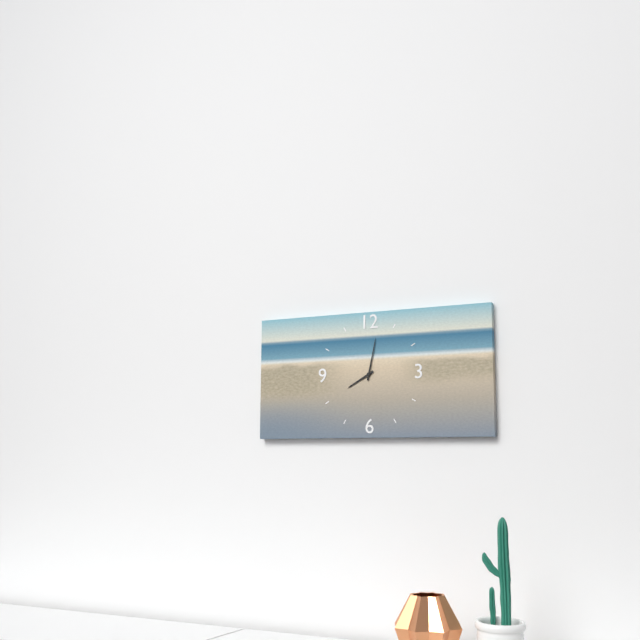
8.02
